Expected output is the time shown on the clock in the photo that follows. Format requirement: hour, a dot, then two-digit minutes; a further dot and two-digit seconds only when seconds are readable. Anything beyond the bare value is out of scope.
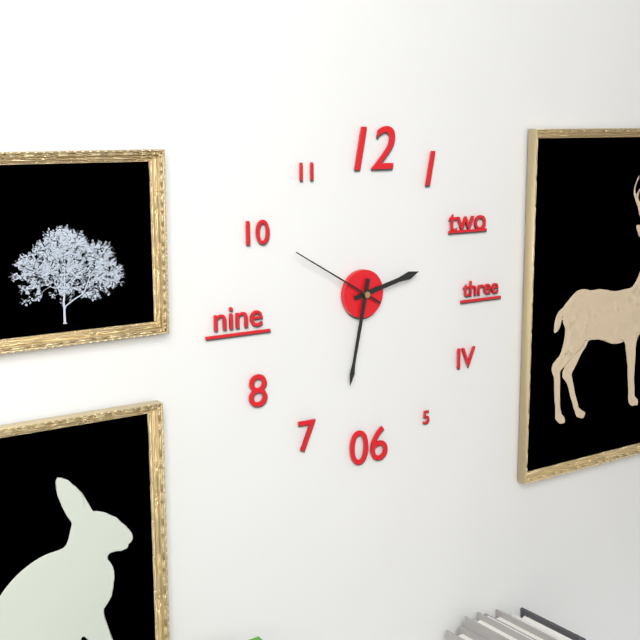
2.32.50
